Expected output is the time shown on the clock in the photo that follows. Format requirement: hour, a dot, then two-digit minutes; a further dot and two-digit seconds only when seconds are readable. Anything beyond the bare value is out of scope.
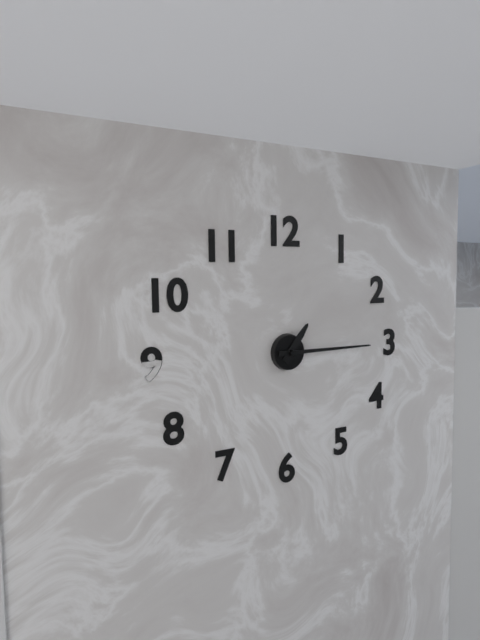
1.15
